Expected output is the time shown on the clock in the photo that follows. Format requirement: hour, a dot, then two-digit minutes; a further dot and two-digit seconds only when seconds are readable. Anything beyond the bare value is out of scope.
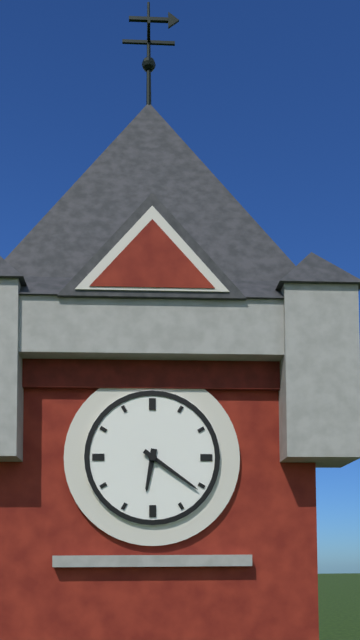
6.21
